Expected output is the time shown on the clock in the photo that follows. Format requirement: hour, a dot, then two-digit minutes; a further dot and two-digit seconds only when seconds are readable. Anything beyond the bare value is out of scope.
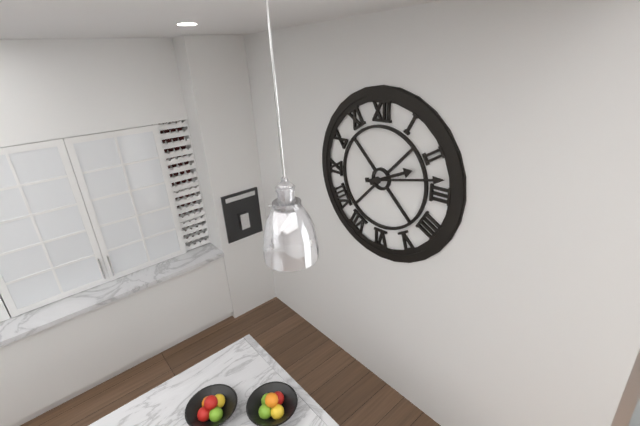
2.13
